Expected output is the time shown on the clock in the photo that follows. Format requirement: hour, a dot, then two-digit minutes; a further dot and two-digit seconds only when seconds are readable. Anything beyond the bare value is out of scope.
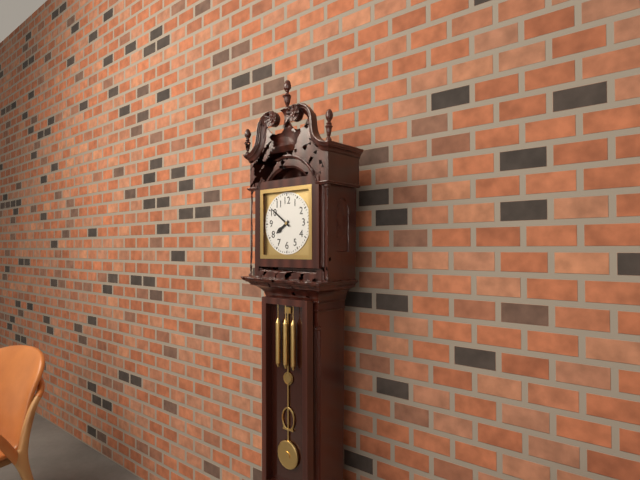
7.51
